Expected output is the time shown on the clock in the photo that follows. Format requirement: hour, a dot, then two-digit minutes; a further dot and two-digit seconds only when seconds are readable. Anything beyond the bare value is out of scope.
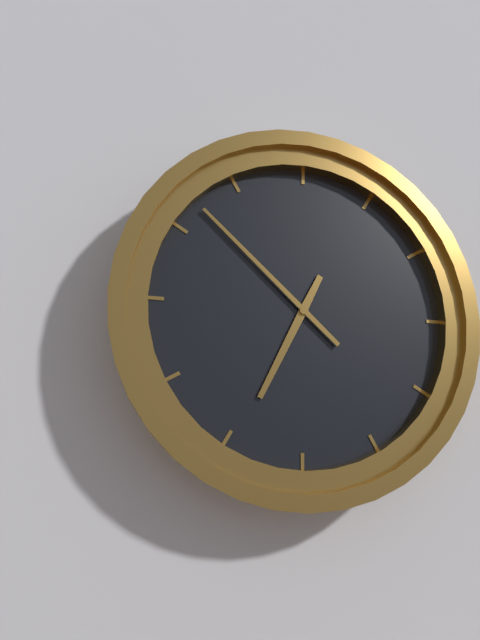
6.52
